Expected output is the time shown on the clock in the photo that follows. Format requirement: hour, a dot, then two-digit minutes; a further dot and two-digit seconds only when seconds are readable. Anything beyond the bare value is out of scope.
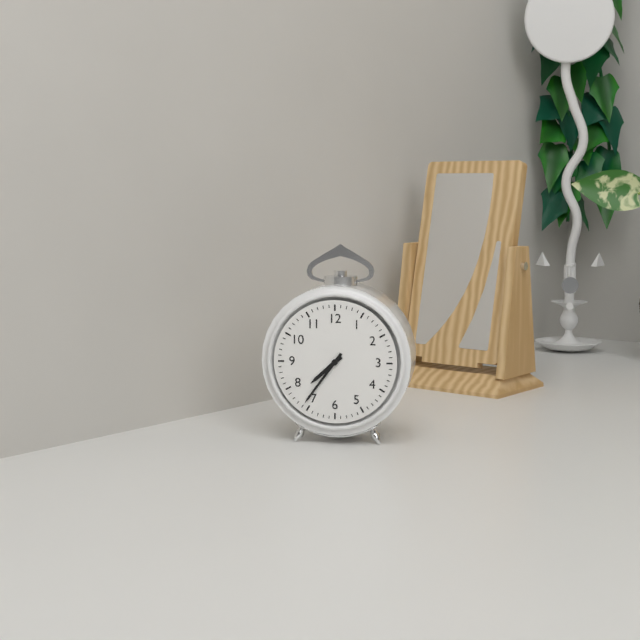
7.36
